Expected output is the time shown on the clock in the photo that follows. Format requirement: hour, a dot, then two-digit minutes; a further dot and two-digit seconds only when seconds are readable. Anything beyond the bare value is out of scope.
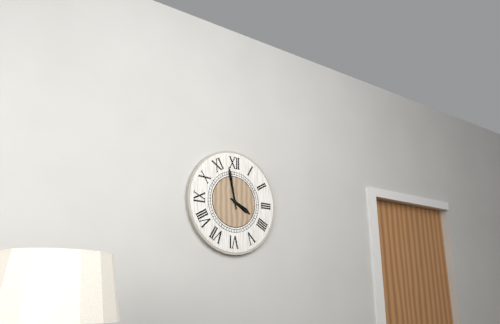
3.58
